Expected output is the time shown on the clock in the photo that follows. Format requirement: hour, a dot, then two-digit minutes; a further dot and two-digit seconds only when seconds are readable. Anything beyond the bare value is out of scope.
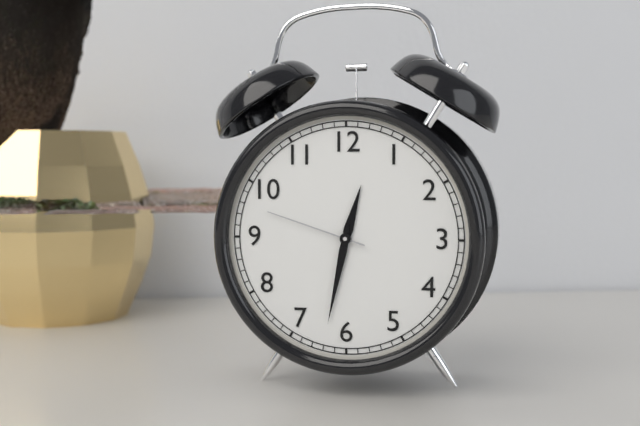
12.32.48
